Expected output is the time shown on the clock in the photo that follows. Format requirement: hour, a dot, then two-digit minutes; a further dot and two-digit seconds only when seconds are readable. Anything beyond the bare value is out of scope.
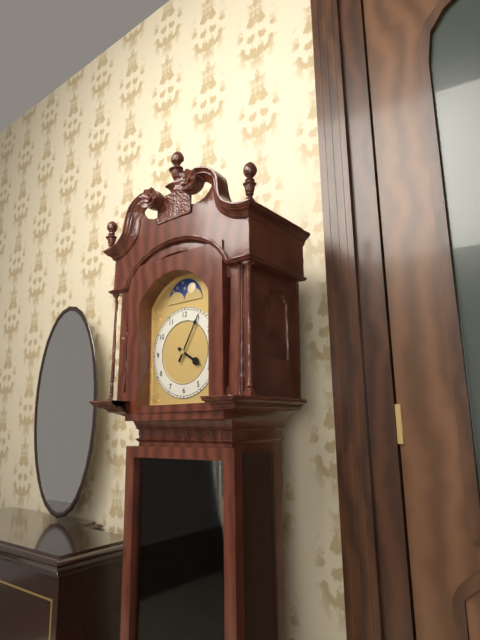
4.05
